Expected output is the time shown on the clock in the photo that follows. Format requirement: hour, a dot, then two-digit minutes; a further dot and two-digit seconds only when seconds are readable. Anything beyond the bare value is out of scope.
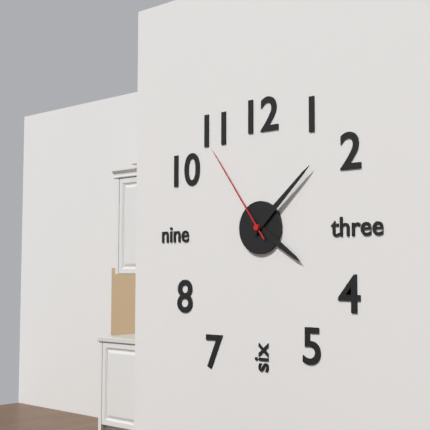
4.08.54
